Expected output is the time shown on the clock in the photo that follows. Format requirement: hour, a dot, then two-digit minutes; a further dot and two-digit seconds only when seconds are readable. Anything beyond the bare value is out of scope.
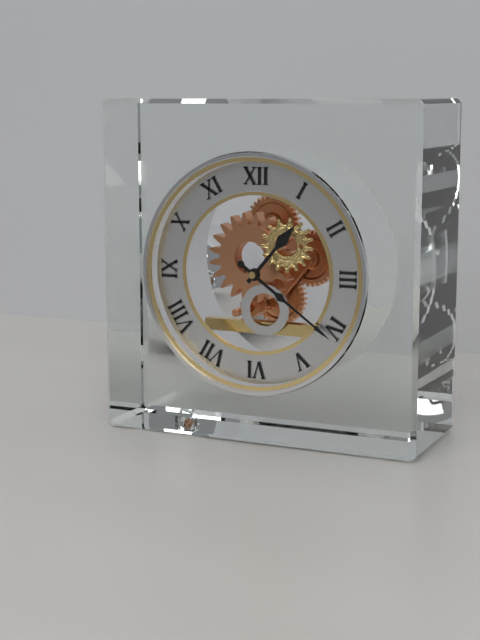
1.21
